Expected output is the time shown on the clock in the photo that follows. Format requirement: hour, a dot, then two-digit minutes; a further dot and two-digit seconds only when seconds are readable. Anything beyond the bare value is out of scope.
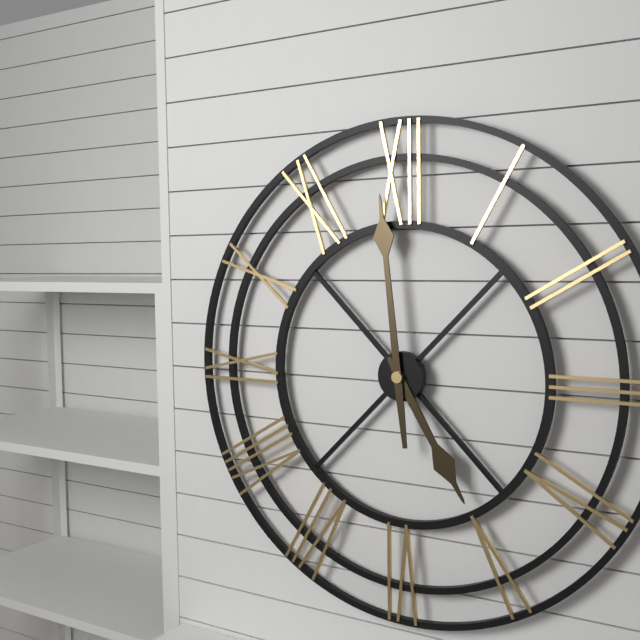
4.59
